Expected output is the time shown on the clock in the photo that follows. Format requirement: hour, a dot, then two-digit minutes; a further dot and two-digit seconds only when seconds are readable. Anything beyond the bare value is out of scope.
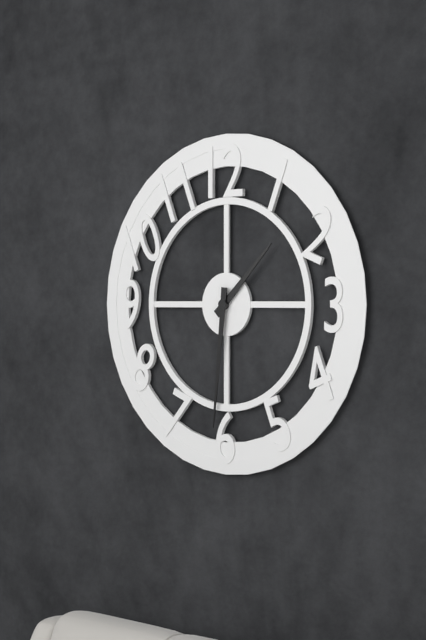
1.31
